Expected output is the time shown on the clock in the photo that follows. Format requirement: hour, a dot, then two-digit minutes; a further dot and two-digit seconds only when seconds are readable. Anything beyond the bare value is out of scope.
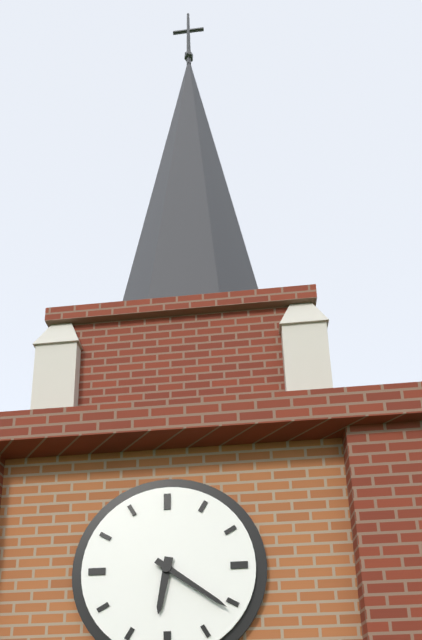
6.21
